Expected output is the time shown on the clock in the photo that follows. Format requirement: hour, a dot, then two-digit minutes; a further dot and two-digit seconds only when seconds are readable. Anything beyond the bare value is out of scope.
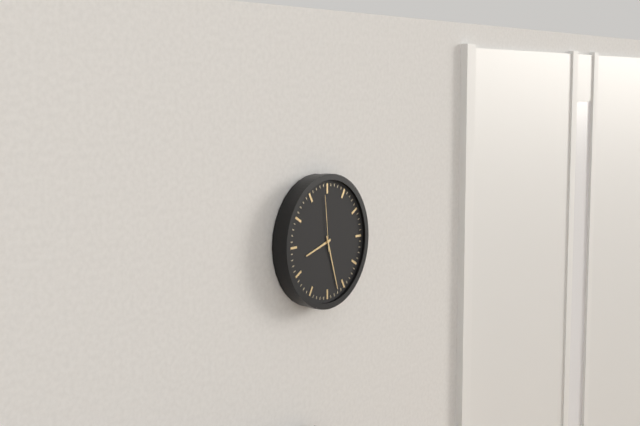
8.27.59
